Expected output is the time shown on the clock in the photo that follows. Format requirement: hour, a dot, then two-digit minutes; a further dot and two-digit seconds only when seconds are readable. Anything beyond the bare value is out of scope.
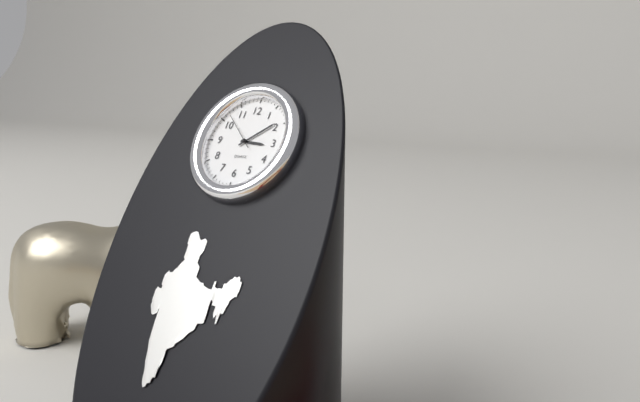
3.09
